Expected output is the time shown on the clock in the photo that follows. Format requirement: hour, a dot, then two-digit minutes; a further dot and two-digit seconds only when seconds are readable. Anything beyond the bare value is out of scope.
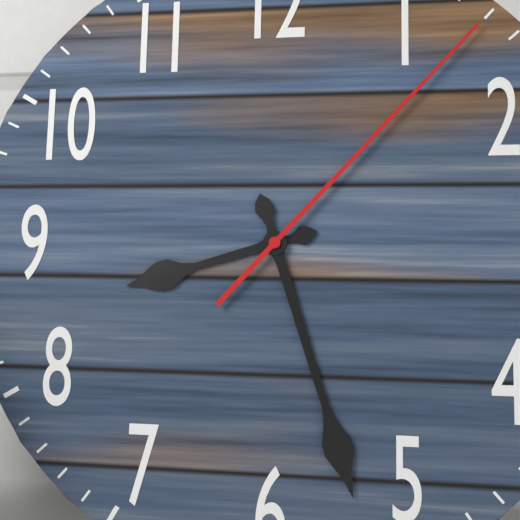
8.27.07
